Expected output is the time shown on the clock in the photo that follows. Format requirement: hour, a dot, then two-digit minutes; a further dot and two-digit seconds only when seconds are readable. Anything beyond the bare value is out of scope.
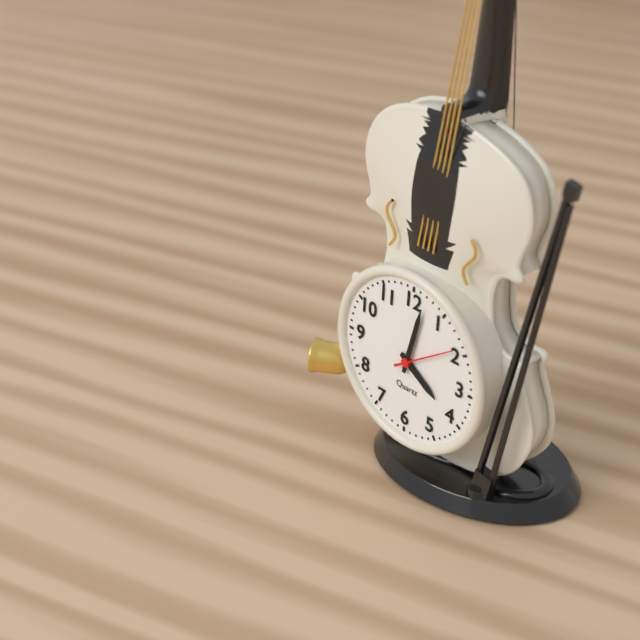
4.02.09
